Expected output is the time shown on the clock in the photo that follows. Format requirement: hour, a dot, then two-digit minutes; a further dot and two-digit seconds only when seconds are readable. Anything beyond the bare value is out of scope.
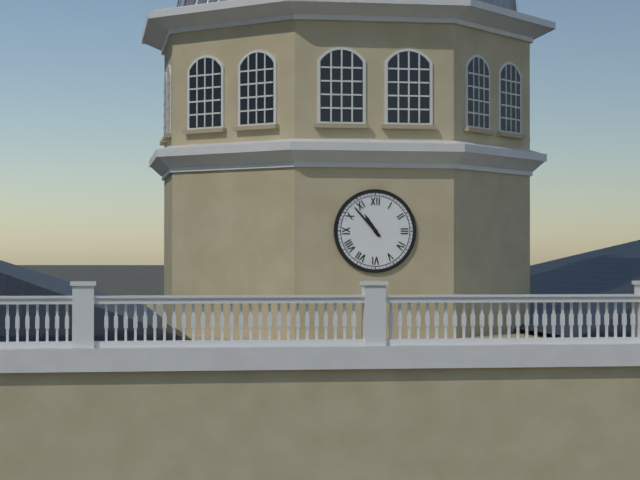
10.53
